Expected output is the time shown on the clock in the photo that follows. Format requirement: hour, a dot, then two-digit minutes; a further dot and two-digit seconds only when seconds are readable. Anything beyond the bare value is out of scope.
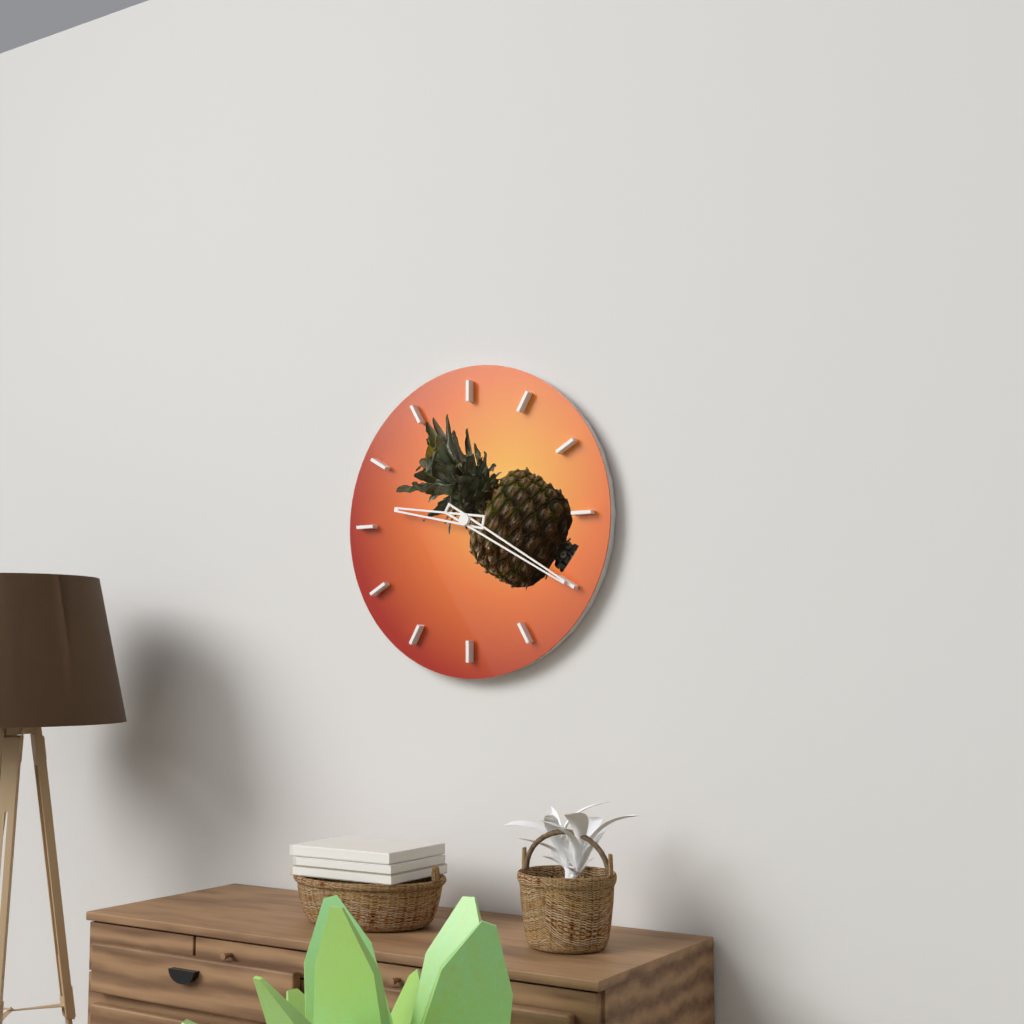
9.20
